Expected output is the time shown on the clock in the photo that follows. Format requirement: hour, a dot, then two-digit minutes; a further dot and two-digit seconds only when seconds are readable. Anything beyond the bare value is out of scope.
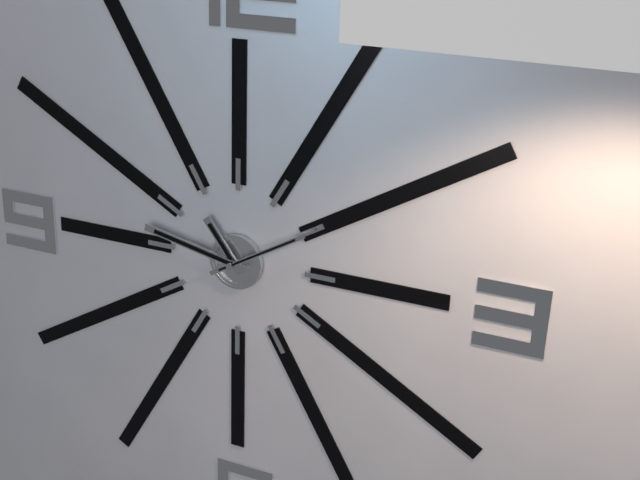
10.47.10
